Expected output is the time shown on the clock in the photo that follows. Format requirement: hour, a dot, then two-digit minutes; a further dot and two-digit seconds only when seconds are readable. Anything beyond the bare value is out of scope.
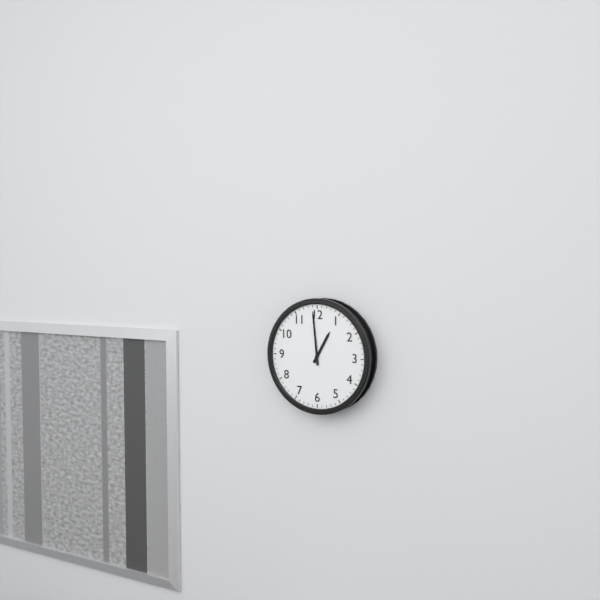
12.59
